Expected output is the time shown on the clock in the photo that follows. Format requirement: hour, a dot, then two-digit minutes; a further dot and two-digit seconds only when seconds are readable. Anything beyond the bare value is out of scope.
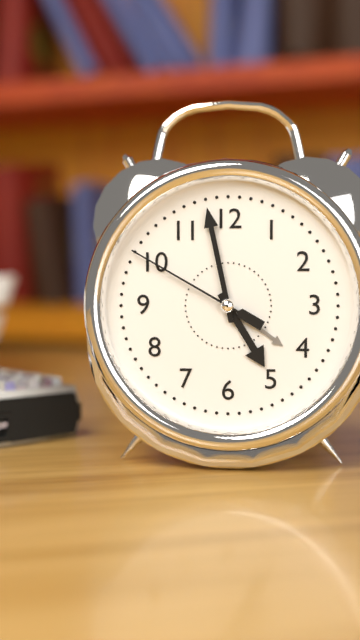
4.58.50
